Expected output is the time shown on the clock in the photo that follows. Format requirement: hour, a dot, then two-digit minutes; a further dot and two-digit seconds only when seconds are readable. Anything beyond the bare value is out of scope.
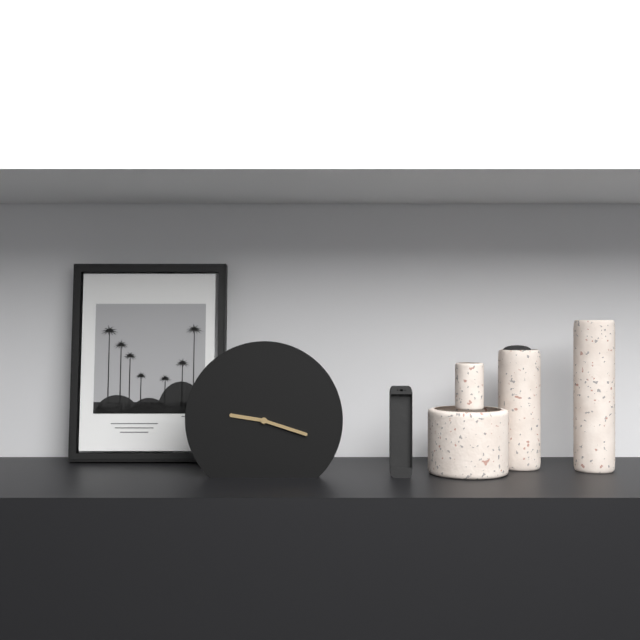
9.18
